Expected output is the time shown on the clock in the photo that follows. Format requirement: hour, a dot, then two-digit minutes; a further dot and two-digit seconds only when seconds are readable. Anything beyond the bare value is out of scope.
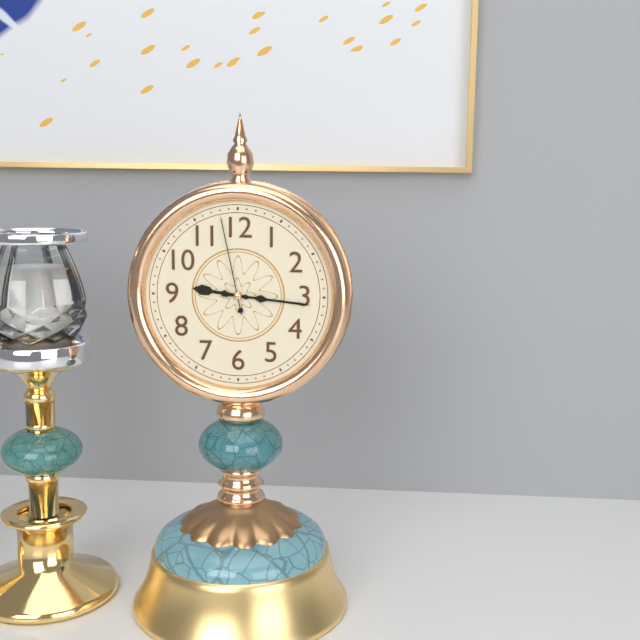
9.16.58
